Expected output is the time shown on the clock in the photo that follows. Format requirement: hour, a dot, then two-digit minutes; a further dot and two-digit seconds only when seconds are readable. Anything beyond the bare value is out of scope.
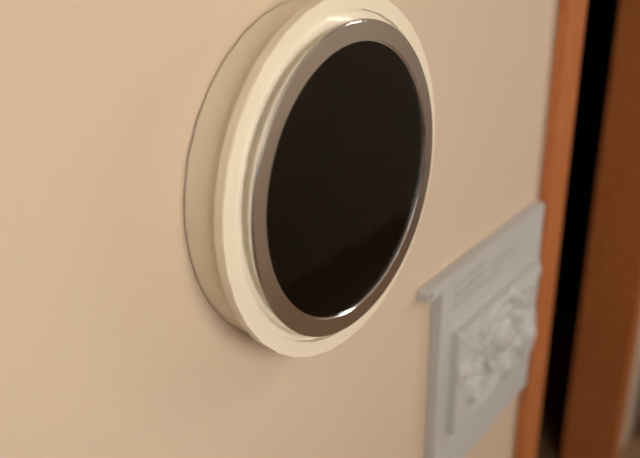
5.10
